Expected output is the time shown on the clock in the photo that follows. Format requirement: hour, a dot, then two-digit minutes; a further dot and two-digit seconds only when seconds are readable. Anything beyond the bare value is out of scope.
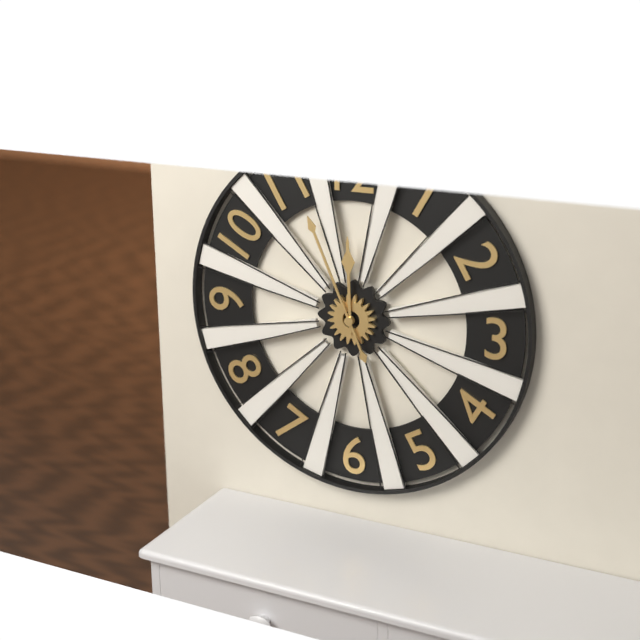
11.56
